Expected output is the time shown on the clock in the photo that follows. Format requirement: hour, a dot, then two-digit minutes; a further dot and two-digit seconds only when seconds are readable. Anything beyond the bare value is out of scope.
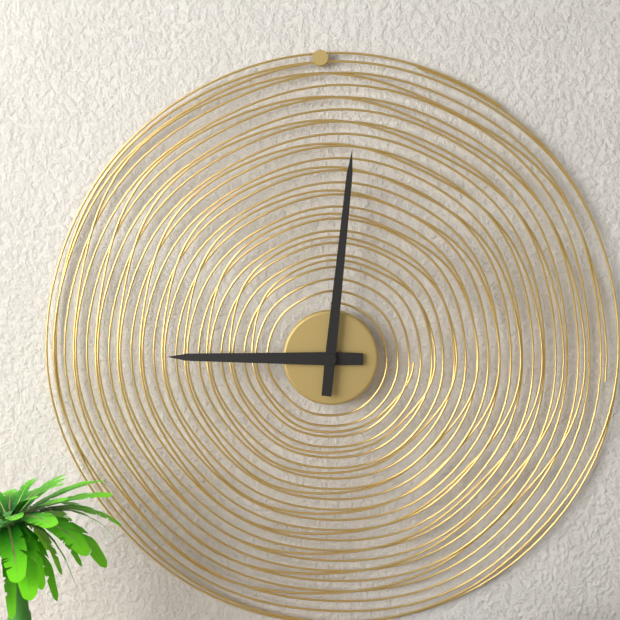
9.01
